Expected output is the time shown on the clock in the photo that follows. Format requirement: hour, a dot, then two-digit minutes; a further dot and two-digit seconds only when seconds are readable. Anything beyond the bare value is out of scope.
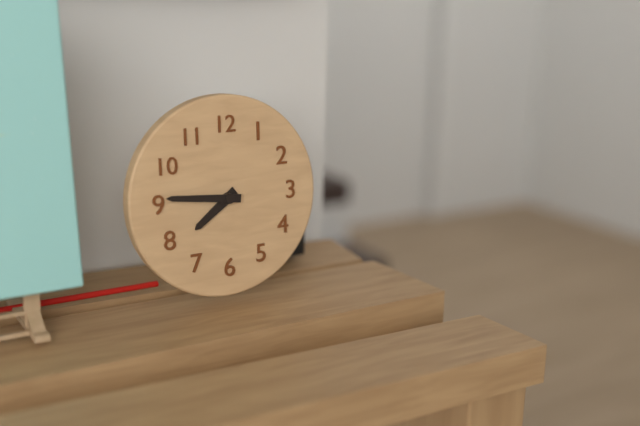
7.46
